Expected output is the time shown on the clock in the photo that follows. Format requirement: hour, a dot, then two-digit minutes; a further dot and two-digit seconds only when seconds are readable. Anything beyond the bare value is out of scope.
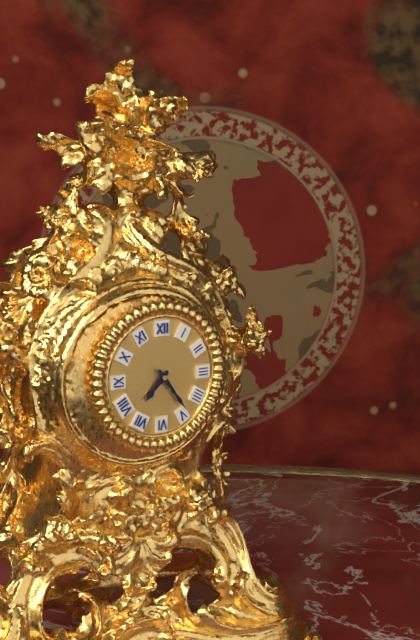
7.24
